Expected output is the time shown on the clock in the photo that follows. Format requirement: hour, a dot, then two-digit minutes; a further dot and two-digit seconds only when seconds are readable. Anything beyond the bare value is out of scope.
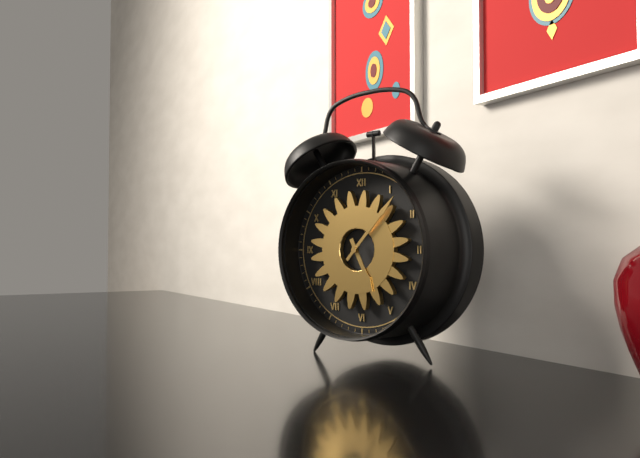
5.07
